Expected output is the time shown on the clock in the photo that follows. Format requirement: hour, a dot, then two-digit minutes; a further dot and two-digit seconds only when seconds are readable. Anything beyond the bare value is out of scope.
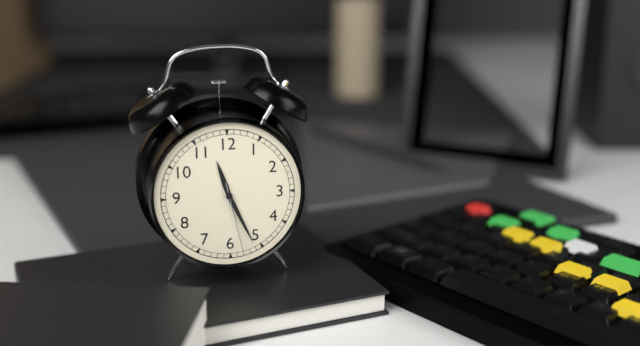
11.26.28
